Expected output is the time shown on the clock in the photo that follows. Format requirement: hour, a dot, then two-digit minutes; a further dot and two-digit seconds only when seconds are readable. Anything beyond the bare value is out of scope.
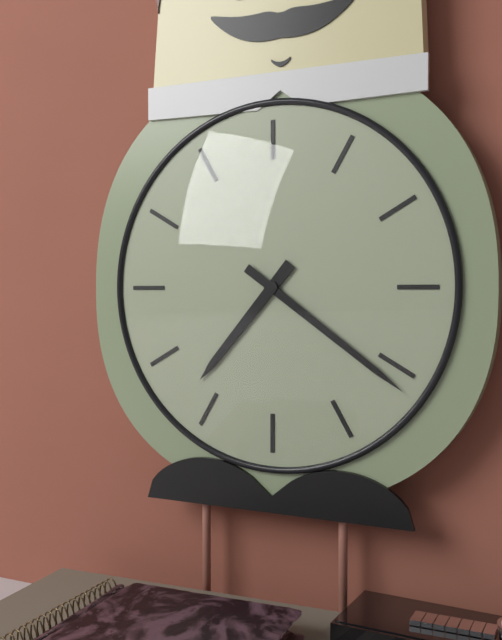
7.21
